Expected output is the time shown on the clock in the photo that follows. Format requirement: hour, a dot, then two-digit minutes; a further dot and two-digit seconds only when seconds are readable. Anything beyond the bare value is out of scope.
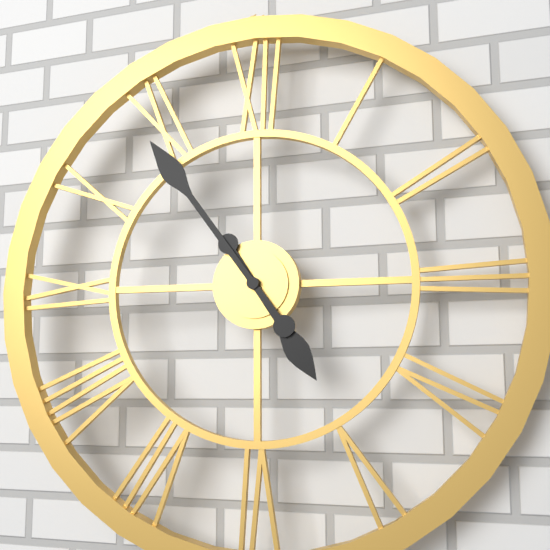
4.54
